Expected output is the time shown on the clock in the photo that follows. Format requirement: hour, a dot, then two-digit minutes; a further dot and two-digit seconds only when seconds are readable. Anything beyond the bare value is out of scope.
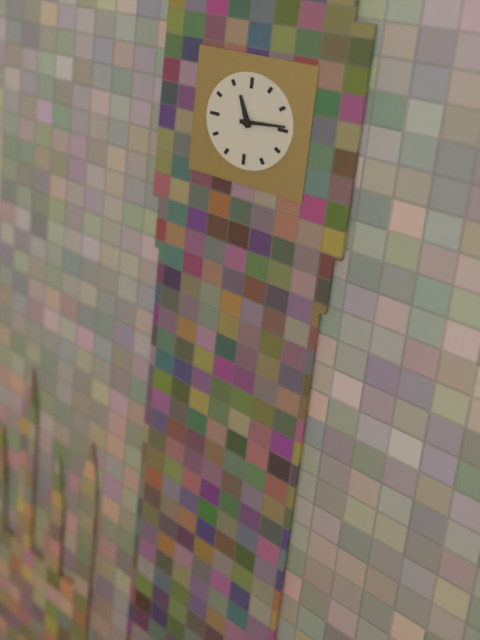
11.14
